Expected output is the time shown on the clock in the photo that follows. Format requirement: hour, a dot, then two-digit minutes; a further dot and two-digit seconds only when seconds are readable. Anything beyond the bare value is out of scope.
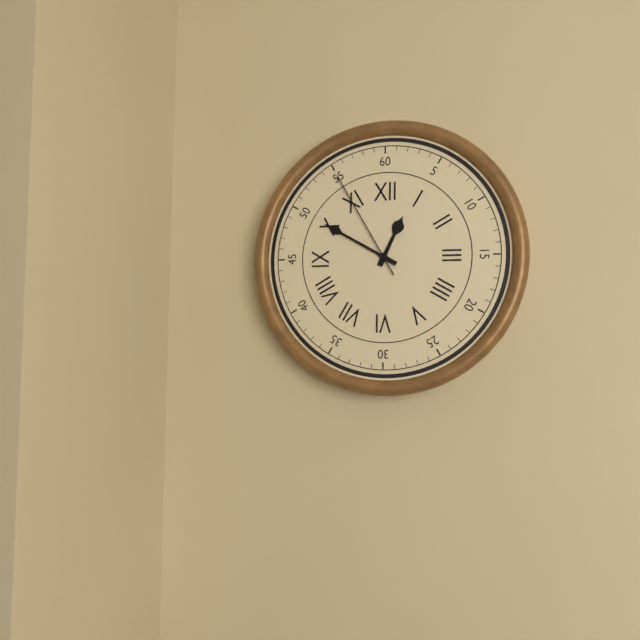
12.50.55
